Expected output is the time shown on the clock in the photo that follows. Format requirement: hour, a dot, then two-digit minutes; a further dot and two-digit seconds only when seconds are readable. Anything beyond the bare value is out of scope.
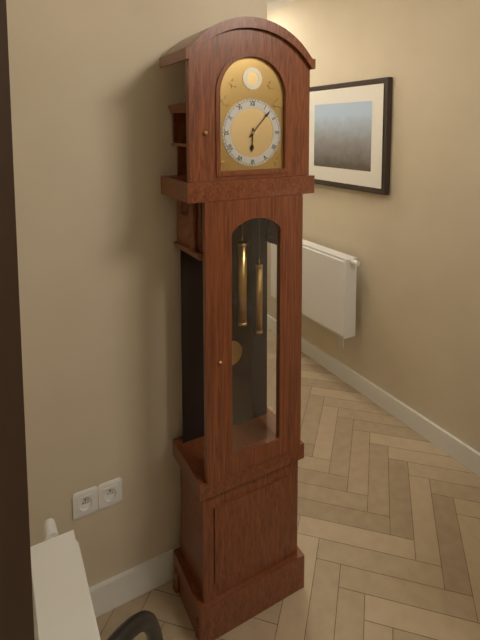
6.07
